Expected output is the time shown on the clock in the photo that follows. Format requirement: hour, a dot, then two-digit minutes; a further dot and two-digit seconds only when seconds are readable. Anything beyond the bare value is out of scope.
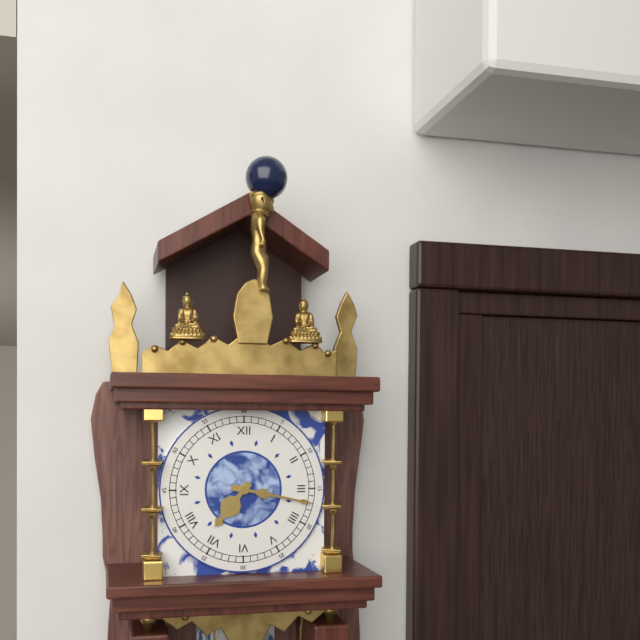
7.17
